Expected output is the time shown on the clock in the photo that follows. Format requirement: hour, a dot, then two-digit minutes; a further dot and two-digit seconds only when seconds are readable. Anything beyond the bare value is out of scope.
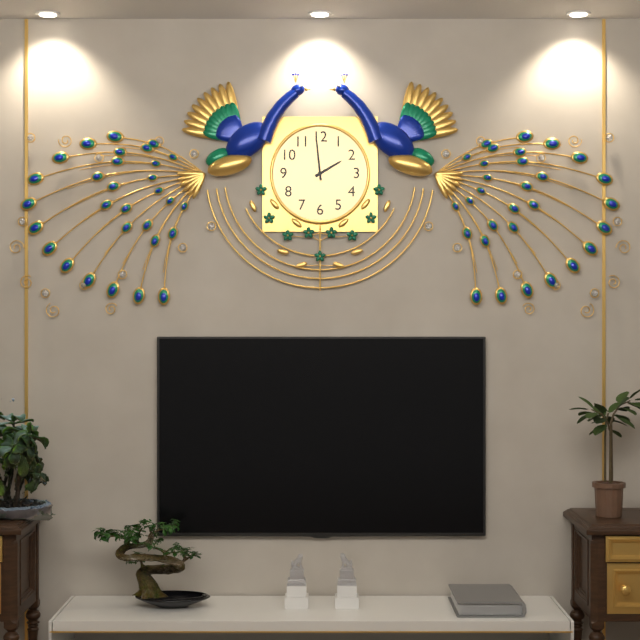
1.59
